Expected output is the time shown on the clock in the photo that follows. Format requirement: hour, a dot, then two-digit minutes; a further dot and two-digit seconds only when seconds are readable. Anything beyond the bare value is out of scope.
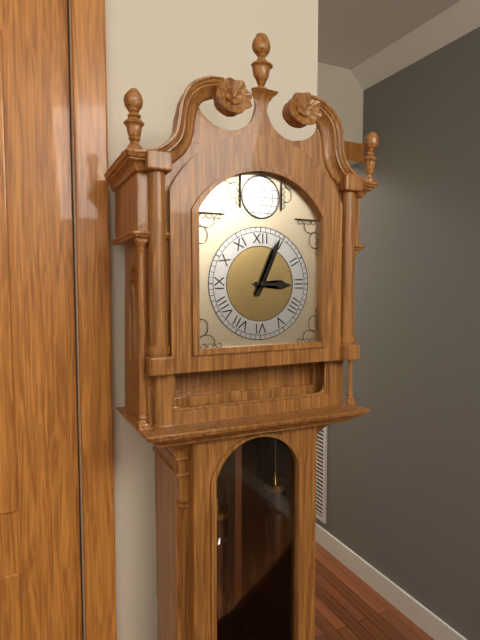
3.04
